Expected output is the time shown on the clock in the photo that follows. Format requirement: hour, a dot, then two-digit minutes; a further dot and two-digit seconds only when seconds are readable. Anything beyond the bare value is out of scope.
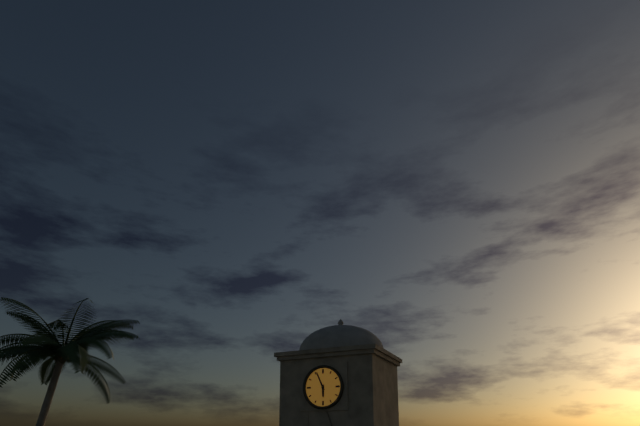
5.56
